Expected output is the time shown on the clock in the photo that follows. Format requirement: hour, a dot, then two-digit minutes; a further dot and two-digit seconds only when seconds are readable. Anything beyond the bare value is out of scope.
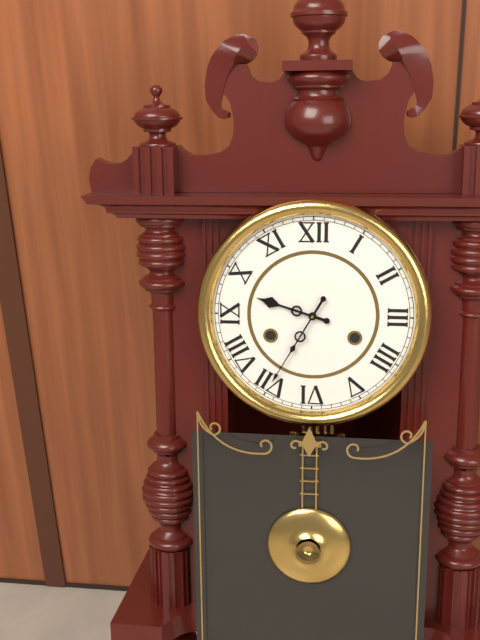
9.35
